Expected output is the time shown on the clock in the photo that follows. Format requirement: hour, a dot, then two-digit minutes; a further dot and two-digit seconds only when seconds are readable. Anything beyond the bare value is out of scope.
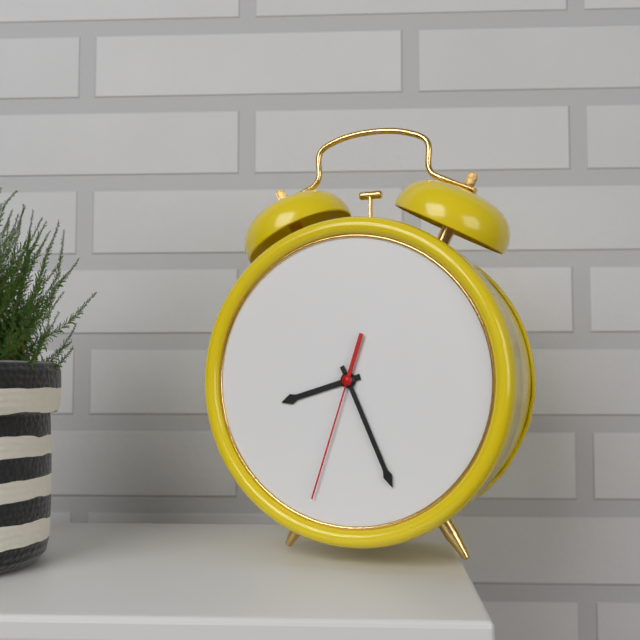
8.26.33
